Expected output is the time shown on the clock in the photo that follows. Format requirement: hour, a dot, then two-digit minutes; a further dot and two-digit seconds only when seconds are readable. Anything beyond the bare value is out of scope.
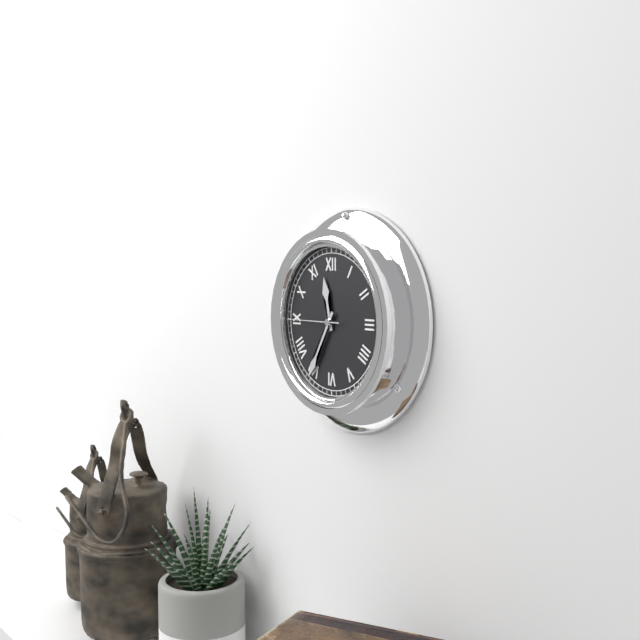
11.35.45
